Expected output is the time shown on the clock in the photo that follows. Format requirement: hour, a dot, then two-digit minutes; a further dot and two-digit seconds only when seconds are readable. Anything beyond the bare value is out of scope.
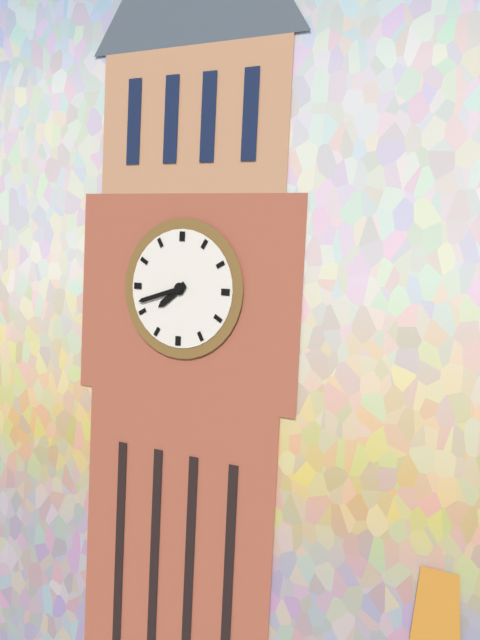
7.42
